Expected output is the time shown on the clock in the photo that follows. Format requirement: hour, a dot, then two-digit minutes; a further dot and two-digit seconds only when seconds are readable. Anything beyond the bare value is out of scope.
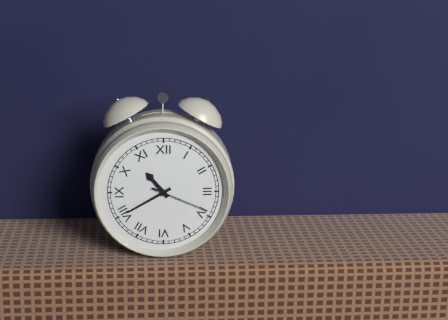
10.40.19
